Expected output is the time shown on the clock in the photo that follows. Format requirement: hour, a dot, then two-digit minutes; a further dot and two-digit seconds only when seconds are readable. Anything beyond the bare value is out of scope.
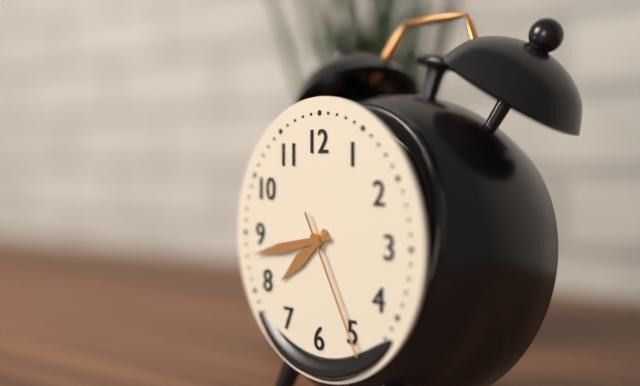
7.43.25
